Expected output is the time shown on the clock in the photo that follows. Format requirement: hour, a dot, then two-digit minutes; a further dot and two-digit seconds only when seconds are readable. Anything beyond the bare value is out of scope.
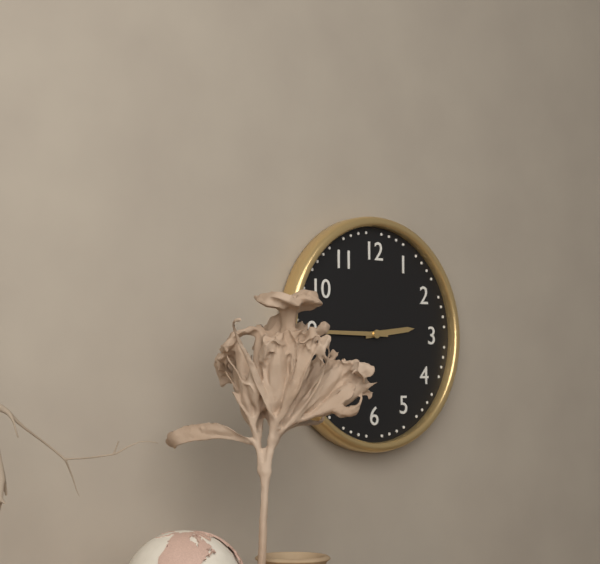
2.45
